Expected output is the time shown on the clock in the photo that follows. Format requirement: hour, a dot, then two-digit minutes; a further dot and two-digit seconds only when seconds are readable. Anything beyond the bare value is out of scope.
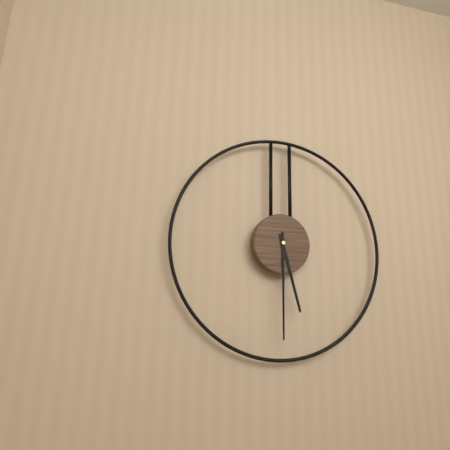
5.30
